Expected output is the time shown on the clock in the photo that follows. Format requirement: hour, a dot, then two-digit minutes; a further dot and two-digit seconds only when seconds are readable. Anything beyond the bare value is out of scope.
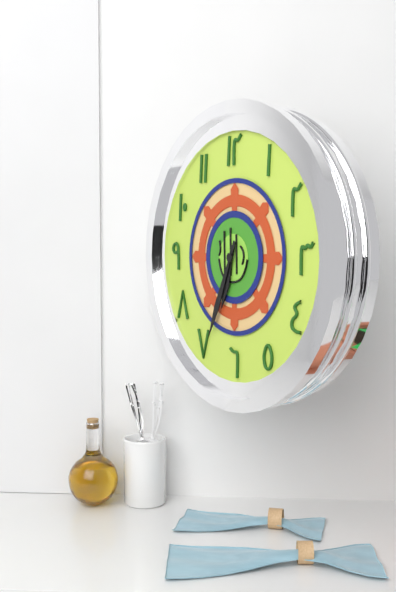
6.34
